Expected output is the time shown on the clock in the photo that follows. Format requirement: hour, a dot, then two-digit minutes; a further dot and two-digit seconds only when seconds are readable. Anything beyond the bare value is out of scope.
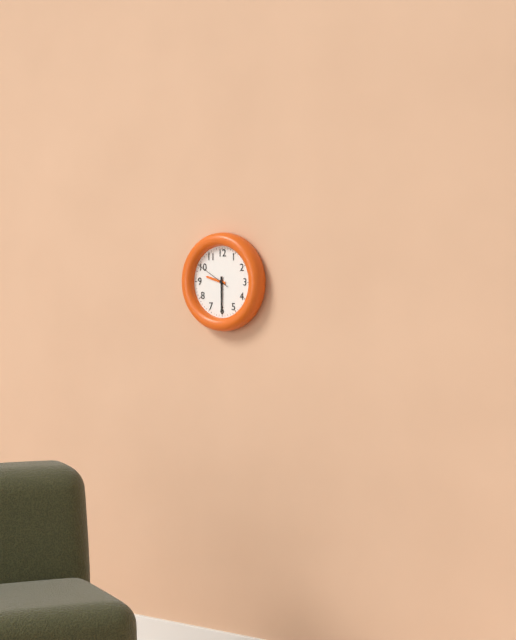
9.30
